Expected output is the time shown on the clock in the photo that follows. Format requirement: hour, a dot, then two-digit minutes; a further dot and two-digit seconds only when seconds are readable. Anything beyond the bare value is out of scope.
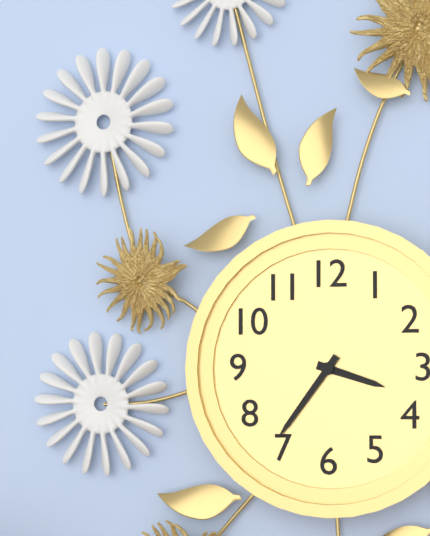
3.36
